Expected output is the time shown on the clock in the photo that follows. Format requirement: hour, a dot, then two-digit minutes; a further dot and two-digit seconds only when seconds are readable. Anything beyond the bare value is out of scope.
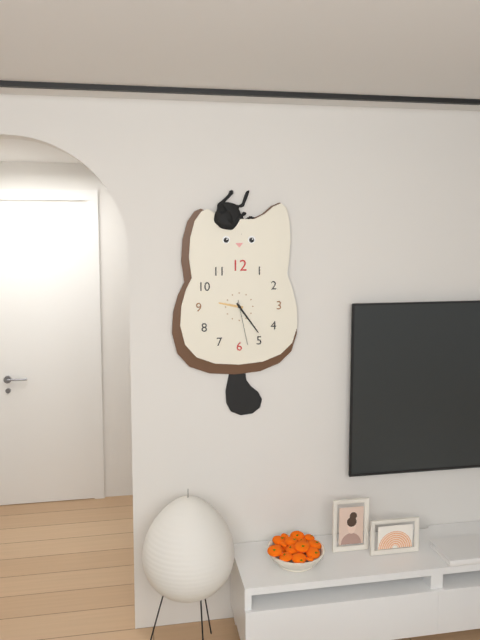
9.24.28
